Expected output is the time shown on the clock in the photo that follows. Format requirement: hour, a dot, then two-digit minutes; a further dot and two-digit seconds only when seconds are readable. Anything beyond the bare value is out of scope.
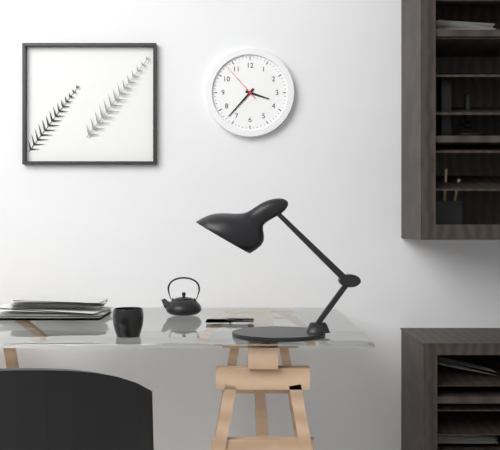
3.37
